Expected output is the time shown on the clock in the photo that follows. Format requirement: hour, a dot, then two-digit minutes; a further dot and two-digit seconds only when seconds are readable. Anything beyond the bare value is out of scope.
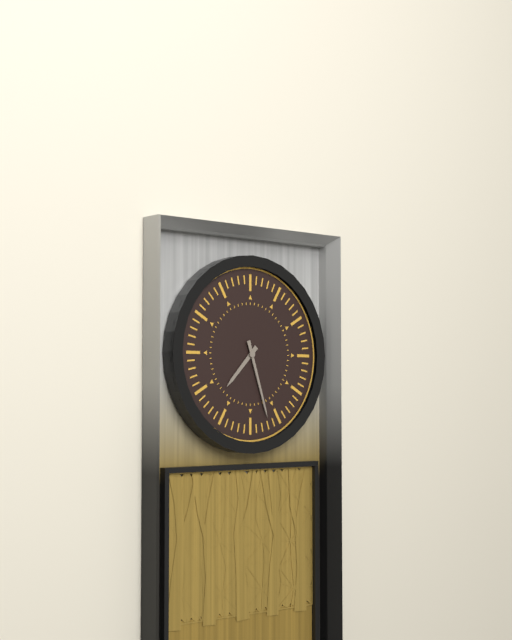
7.27
